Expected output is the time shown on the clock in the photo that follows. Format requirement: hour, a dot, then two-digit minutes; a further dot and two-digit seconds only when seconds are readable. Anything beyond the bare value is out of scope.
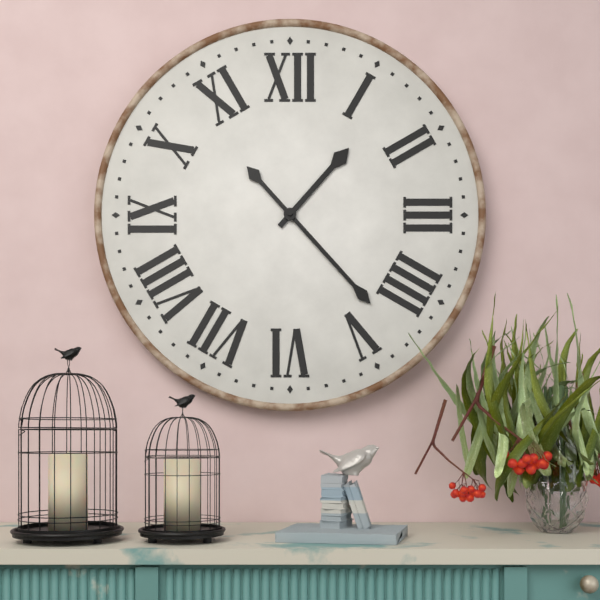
1.23
